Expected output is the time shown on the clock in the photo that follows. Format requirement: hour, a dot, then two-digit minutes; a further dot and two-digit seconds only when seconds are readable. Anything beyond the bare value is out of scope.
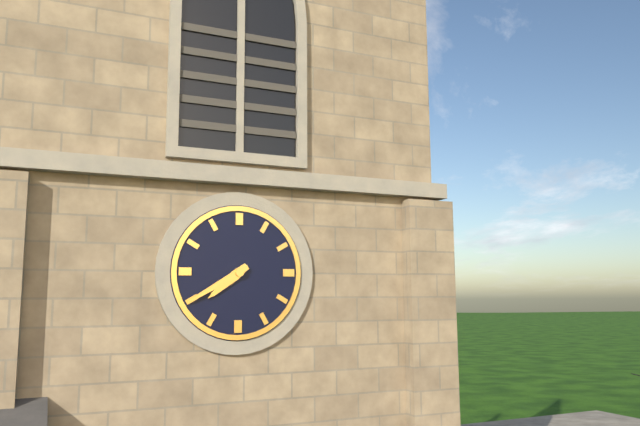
7.40
